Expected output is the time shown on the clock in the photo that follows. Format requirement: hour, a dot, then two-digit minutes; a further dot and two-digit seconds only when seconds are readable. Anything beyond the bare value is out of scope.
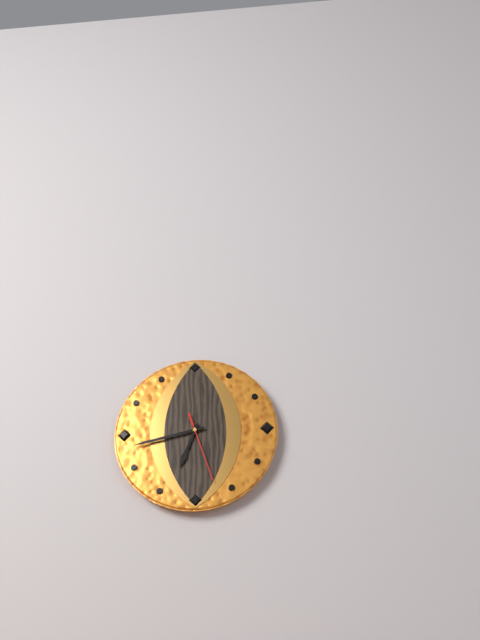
6.43.27
